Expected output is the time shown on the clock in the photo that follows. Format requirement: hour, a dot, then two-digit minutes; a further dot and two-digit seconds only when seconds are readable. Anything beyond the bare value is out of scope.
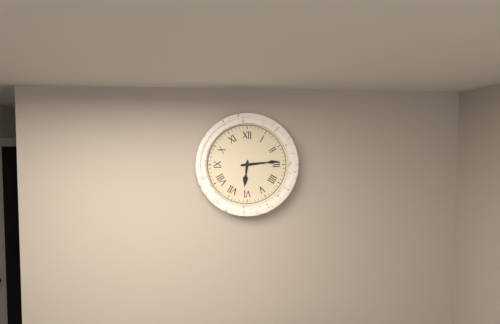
6.14
